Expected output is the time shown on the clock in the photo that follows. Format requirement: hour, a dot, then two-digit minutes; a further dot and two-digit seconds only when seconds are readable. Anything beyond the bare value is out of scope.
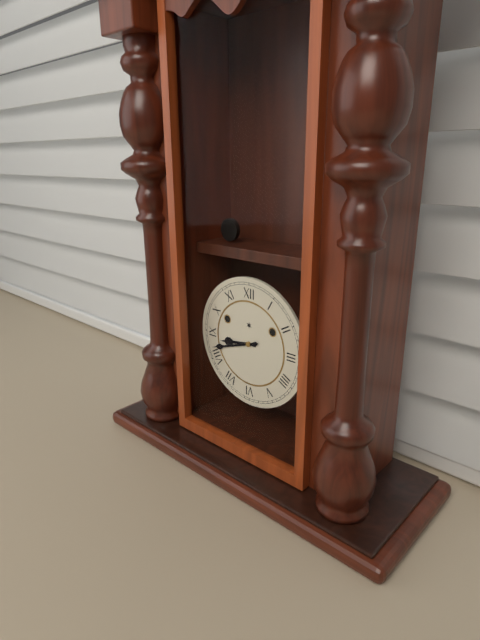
8.42
